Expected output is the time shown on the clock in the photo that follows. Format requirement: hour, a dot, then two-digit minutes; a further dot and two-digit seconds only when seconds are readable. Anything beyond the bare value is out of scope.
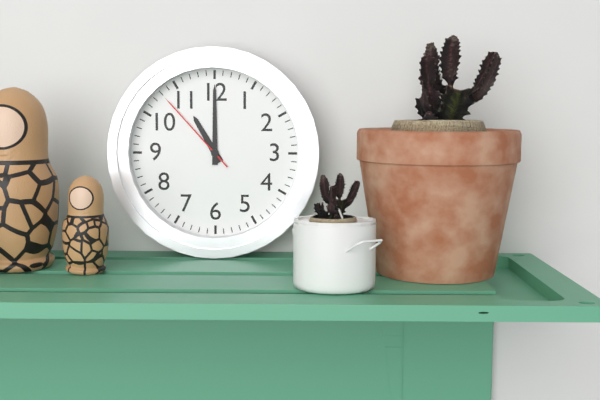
11.00.53
